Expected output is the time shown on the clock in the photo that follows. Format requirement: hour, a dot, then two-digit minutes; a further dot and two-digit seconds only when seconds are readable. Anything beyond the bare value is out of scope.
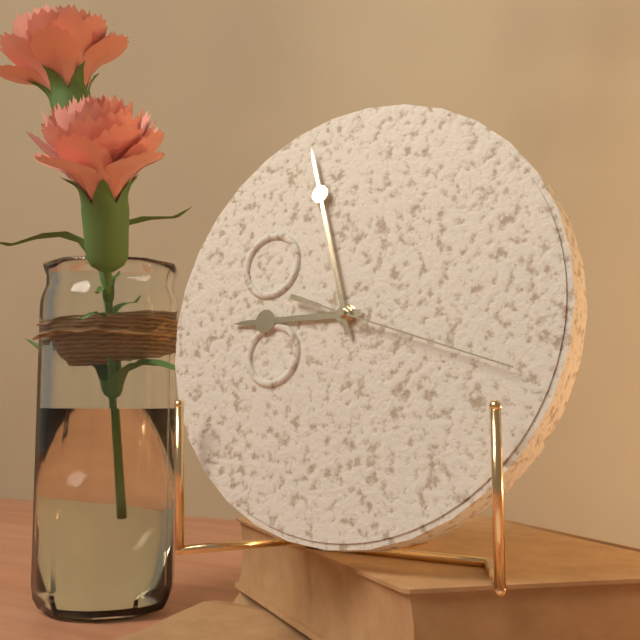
8.57.18
